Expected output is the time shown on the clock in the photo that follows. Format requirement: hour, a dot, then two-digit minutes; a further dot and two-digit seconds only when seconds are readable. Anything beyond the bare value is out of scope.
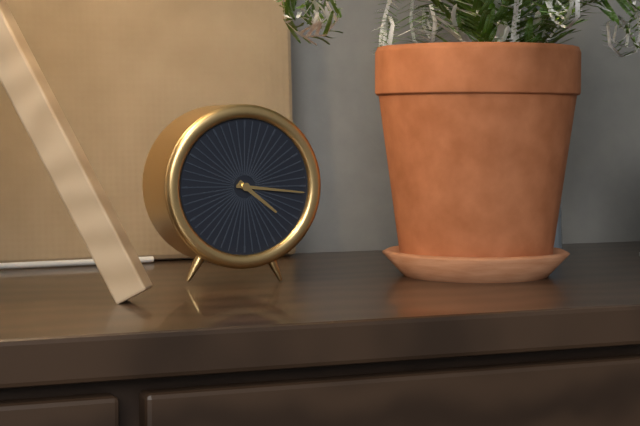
4.16
